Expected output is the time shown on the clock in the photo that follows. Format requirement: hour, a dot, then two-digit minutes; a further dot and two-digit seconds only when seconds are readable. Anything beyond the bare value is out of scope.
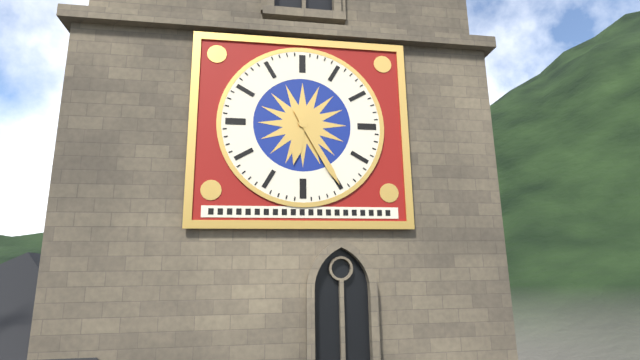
6.25
